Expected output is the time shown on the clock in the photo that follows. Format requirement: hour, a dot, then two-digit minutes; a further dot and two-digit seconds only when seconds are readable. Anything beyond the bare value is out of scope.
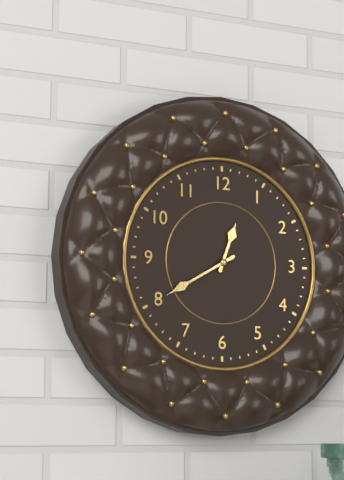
12.40
